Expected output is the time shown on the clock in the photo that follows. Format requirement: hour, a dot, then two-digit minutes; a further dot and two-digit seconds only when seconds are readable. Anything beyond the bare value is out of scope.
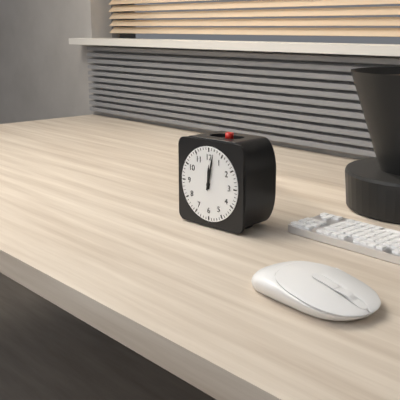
12.02
